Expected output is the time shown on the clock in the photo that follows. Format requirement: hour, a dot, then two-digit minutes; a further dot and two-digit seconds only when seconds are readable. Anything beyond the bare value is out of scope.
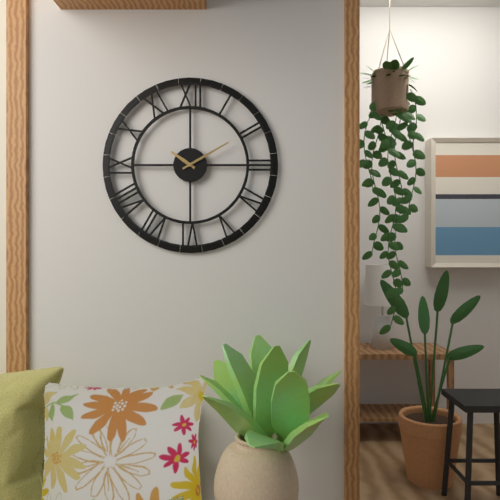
10.10
